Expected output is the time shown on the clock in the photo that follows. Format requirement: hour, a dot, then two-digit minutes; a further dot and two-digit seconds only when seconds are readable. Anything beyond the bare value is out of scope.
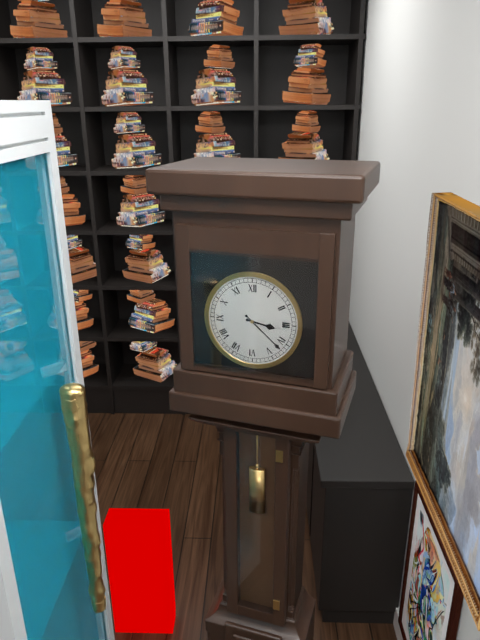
3.22
